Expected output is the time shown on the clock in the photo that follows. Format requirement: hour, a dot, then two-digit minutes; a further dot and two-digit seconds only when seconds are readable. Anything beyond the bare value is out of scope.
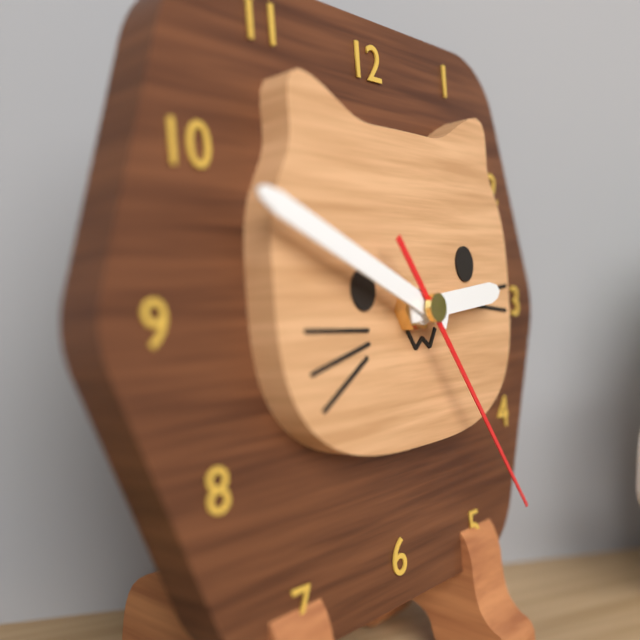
2.49.24
